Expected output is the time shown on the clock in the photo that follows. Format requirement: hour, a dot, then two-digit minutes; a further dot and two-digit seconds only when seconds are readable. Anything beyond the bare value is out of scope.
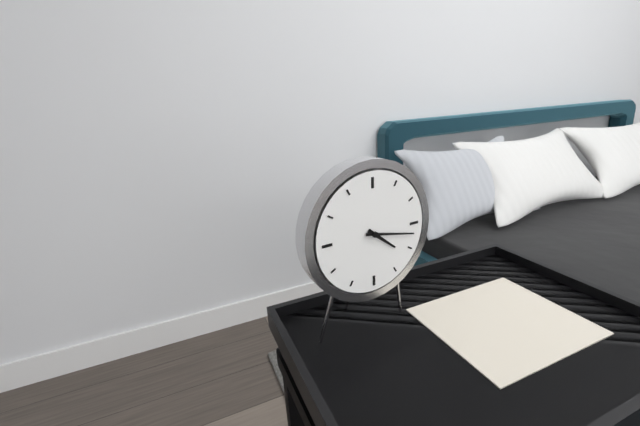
4.17
